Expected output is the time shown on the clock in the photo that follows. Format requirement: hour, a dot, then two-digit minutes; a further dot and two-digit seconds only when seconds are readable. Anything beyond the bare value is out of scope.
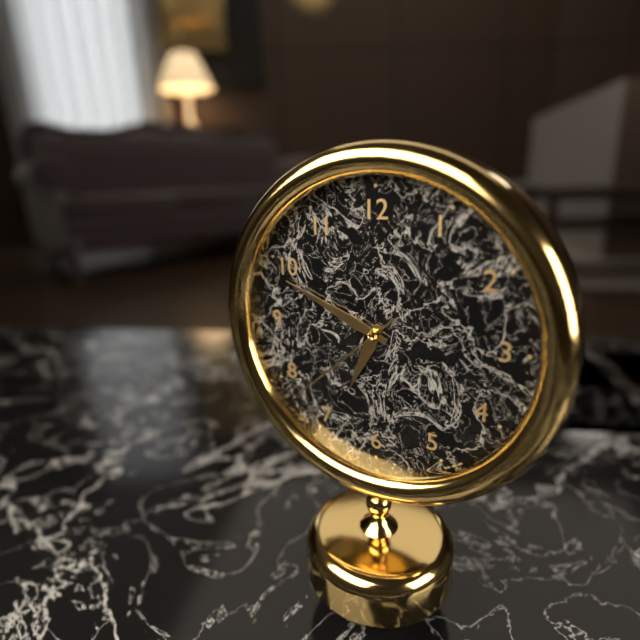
6.49.38
